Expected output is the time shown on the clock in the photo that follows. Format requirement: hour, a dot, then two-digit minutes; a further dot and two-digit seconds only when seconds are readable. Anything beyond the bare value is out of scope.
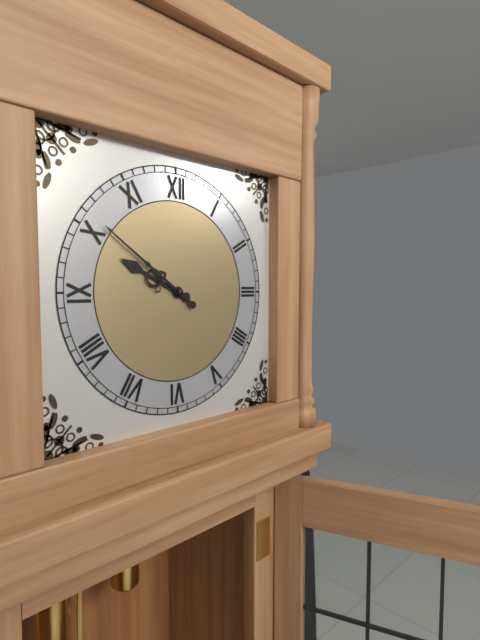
9.51
